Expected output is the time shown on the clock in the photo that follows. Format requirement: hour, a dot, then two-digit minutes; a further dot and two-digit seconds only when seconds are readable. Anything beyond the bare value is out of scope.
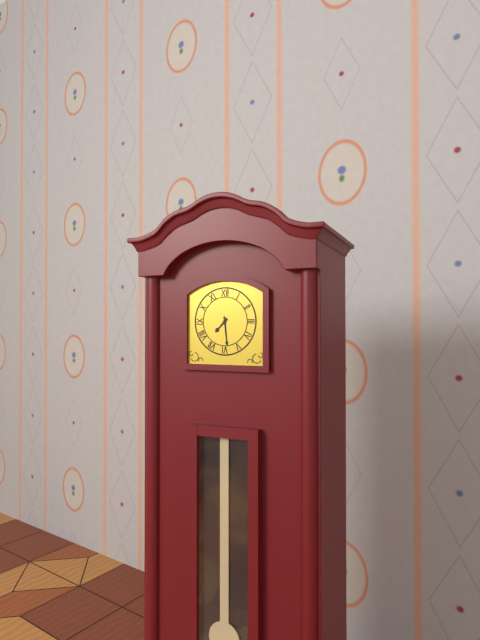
7.29
